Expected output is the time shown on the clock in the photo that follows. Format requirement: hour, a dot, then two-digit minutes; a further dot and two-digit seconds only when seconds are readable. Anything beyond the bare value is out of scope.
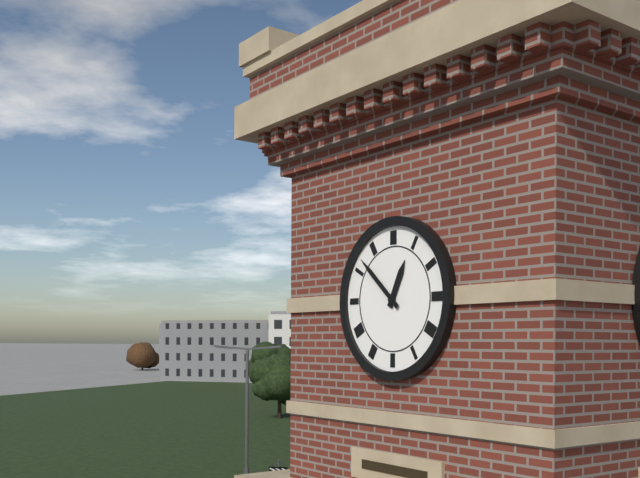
12.52
